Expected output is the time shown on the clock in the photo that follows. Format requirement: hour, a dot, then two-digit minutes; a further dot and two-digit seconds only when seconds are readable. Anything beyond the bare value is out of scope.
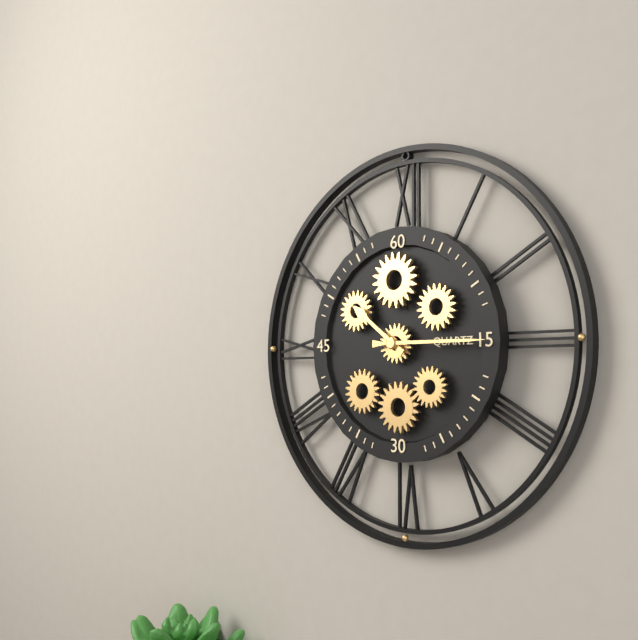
10.15
